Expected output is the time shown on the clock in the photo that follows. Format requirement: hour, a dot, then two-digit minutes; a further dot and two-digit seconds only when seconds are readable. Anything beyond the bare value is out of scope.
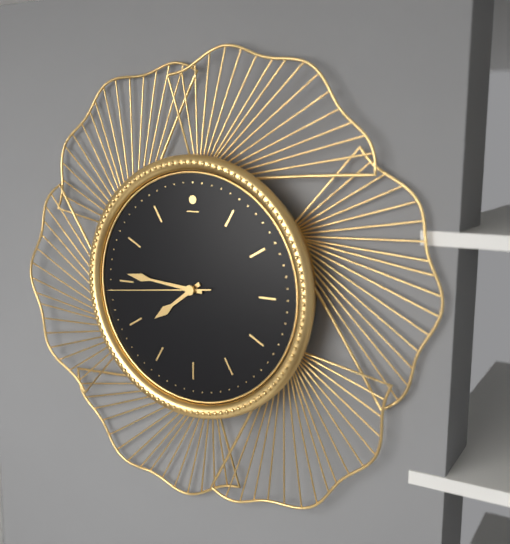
7.46.44
